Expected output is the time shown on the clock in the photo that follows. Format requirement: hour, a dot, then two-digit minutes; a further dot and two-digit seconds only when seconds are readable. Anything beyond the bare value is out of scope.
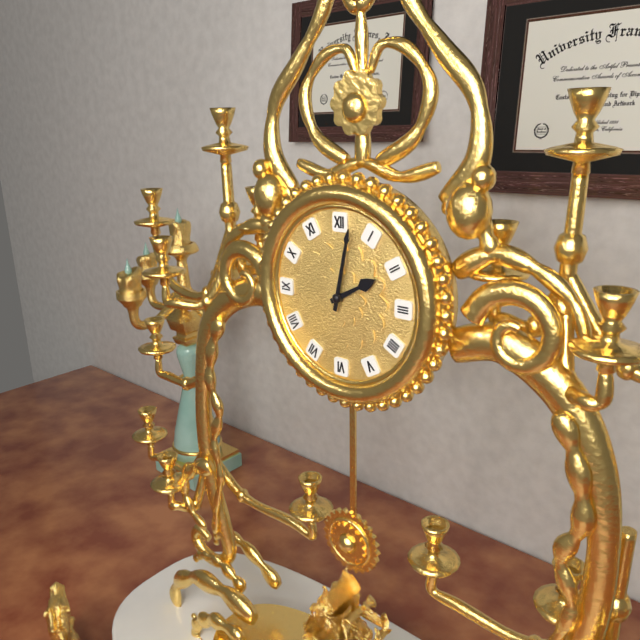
2.02
